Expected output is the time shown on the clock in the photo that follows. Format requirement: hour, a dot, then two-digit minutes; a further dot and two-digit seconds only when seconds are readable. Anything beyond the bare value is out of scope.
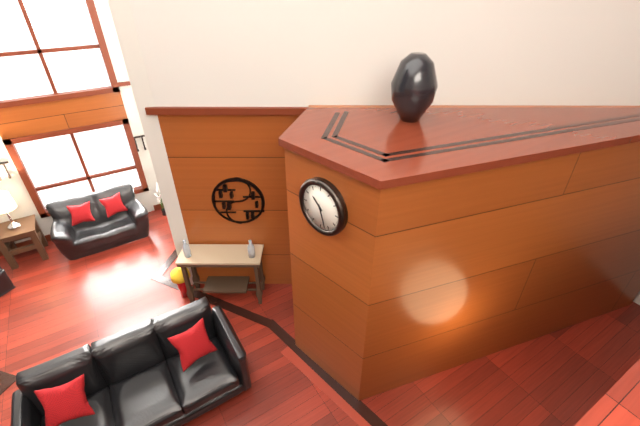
10.27
